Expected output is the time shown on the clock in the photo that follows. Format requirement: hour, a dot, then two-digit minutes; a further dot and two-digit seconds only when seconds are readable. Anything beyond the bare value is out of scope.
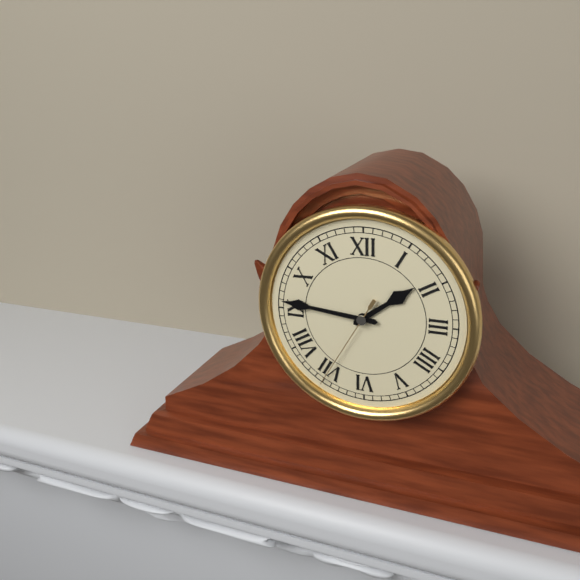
1.46.35
